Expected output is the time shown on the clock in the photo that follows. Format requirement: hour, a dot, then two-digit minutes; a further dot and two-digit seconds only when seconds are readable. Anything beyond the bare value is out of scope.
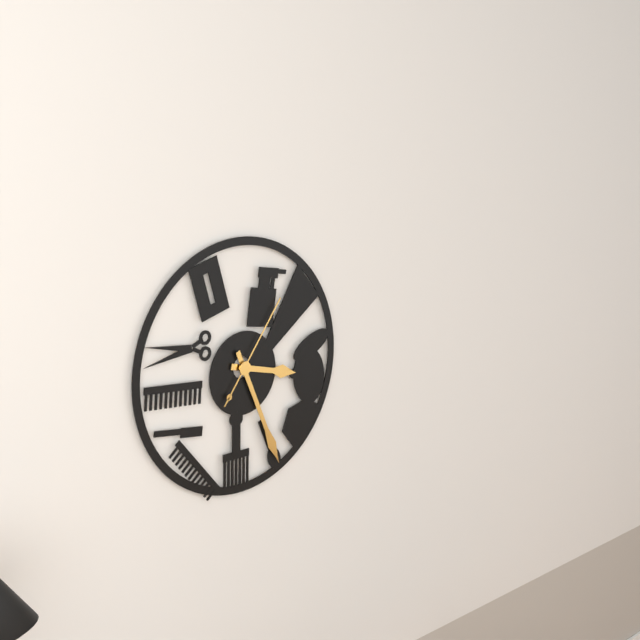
3.26.06
